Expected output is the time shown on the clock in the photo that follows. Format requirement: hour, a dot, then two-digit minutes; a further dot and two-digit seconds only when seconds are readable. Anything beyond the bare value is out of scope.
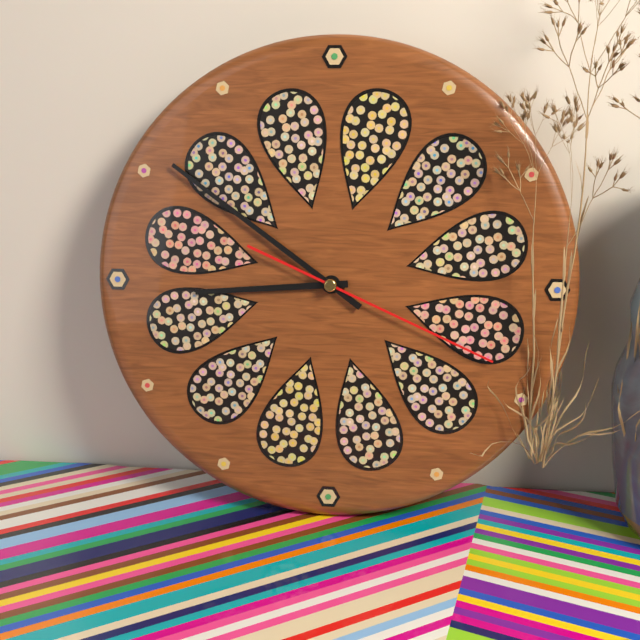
8.51.19
